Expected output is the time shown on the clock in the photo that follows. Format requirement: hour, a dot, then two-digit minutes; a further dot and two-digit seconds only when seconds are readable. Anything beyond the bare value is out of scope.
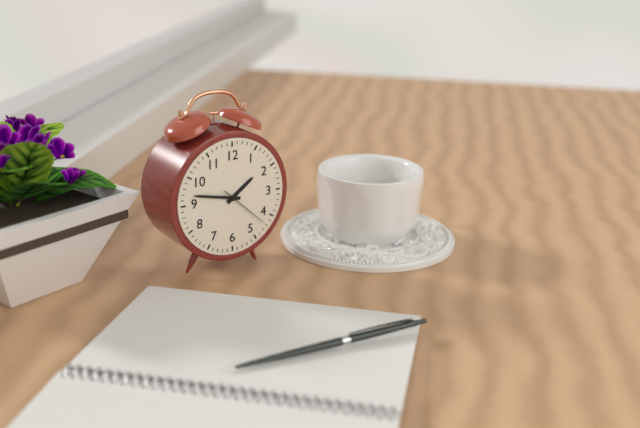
1.47.22
